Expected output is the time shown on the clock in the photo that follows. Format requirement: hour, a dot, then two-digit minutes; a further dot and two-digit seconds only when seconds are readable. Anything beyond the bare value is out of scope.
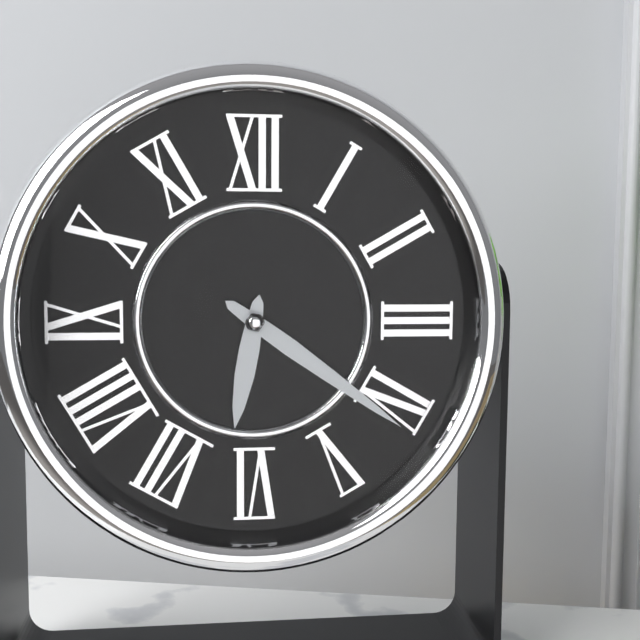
6.21
